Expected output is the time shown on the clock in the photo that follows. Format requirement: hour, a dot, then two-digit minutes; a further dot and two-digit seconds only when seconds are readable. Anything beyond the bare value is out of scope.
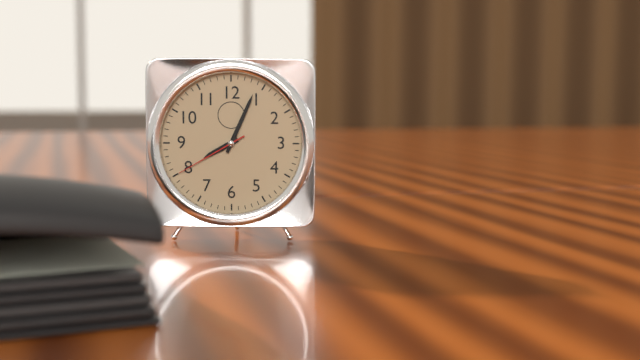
8.04.40
